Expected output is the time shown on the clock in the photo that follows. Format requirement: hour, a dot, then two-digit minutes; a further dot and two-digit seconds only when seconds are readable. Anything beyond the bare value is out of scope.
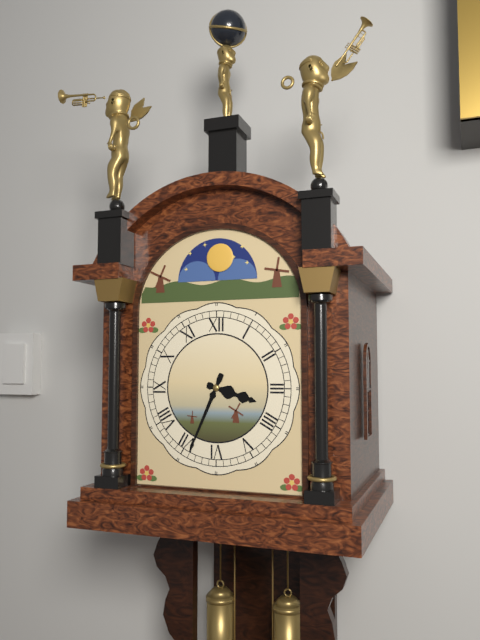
3.34
